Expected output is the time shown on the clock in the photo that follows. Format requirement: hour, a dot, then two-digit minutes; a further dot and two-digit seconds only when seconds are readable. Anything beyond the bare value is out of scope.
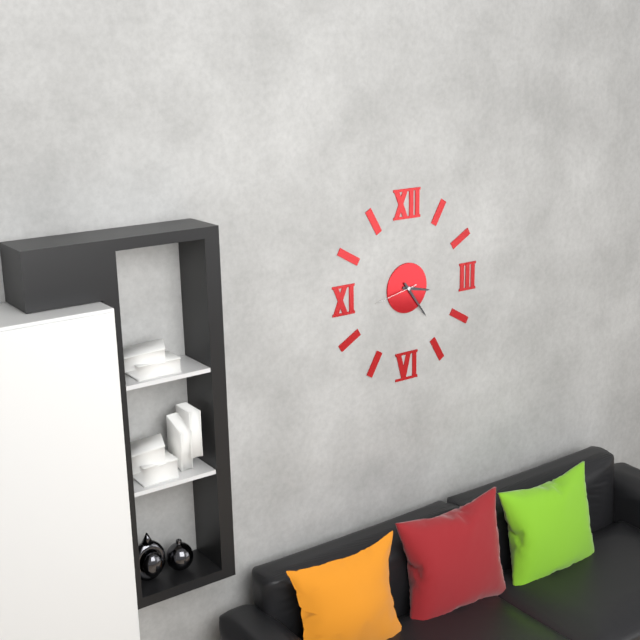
3.24
